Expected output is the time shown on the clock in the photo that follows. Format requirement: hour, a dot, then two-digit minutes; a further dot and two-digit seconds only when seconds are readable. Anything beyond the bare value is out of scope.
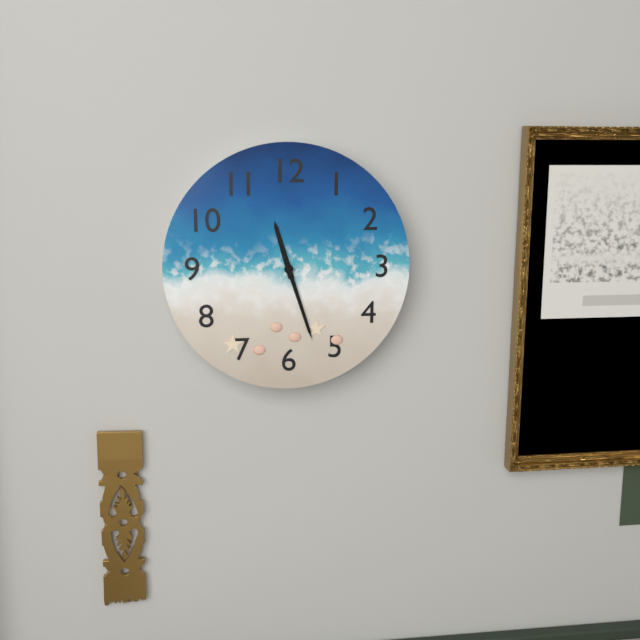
11.27
